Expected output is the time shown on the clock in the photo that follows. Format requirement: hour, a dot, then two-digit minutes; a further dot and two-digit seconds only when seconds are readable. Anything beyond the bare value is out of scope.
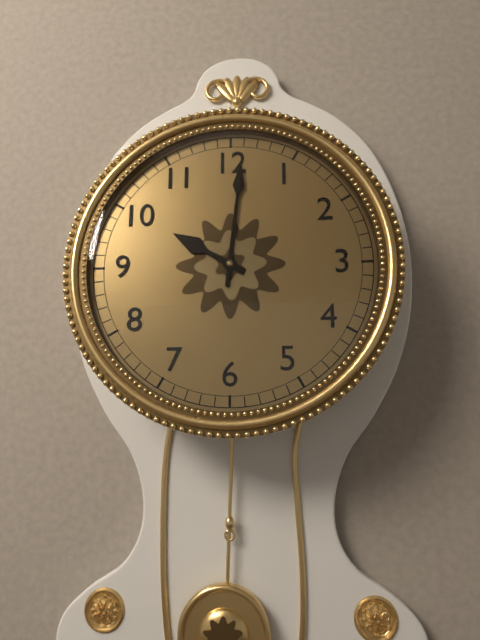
10.01
